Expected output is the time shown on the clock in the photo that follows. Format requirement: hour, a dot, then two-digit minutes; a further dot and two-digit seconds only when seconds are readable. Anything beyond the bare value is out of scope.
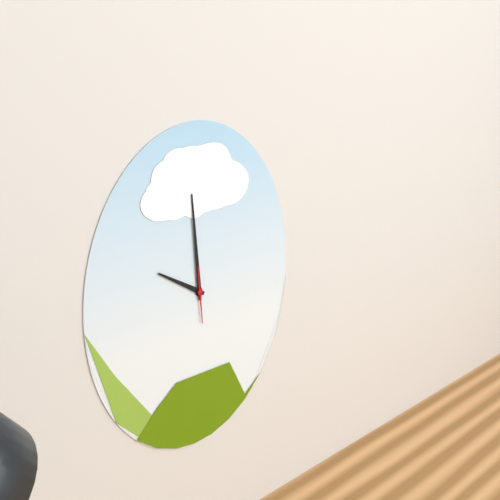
9.59
